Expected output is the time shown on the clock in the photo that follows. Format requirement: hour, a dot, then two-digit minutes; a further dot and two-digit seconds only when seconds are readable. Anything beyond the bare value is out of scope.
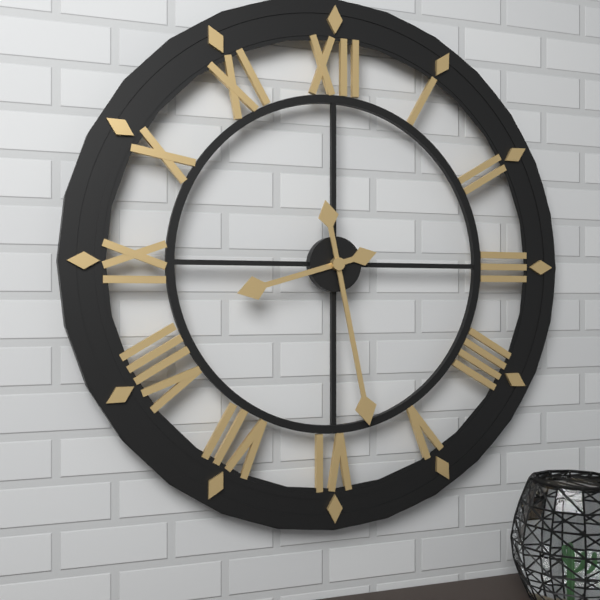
8.28
